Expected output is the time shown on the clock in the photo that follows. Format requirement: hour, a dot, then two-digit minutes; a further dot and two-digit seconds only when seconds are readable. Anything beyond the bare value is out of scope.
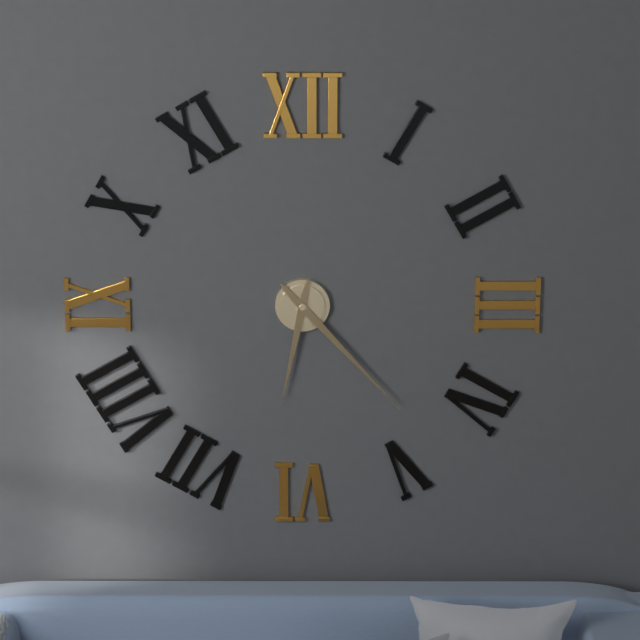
6.23
